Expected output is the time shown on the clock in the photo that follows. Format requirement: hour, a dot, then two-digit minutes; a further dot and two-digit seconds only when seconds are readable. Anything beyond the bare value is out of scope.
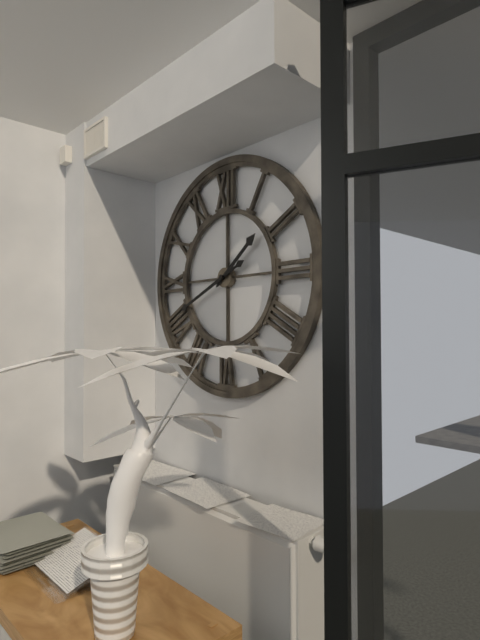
1.41
